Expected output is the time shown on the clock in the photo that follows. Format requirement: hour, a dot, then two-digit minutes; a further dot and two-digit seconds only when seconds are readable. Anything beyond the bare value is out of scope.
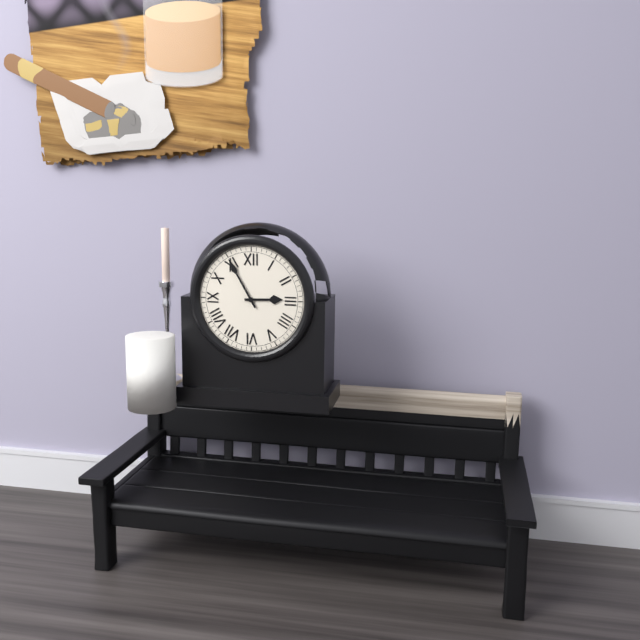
2.55
